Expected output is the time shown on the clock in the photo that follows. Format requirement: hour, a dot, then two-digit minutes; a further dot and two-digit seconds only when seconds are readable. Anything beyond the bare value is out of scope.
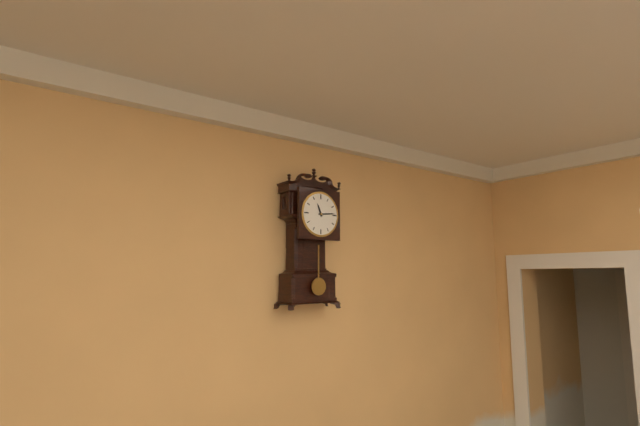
11.14
